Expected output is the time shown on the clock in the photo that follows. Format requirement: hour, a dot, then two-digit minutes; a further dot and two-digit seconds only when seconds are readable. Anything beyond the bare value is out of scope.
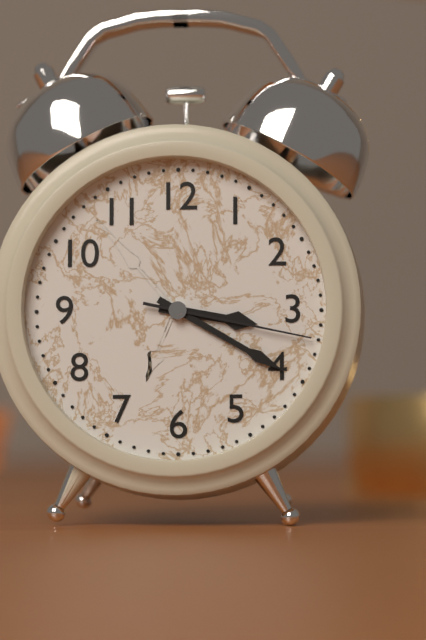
3.20.17
